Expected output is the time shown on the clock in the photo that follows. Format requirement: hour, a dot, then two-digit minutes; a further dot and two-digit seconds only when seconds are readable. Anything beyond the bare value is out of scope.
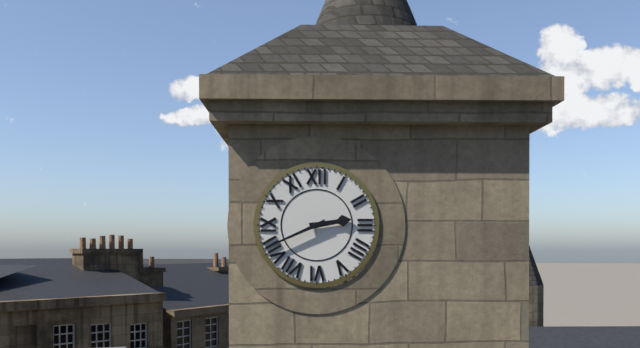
2.41
